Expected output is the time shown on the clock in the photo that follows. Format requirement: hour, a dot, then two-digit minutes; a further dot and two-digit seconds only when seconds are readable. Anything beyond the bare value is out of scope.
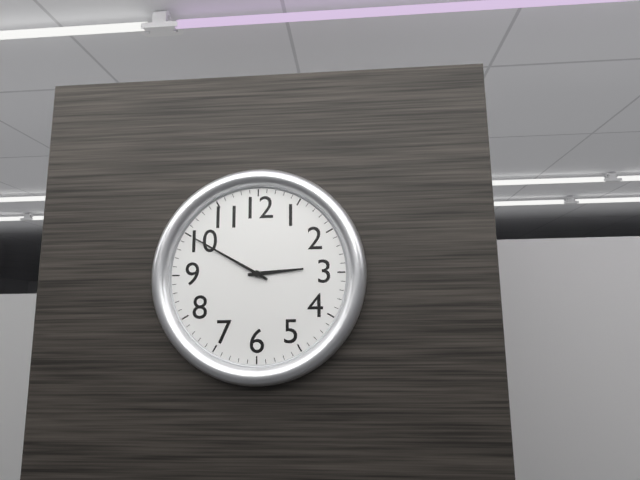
2.50
